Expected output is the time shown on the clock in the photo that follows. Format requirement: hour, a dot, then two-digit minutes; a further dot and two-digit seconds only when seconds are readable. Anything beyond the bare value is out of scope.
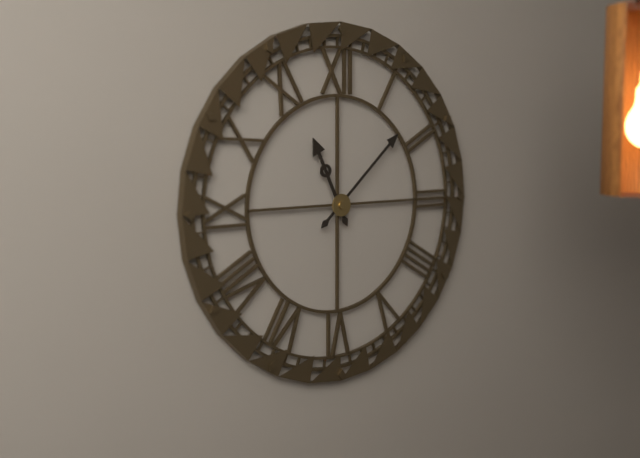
11.08
